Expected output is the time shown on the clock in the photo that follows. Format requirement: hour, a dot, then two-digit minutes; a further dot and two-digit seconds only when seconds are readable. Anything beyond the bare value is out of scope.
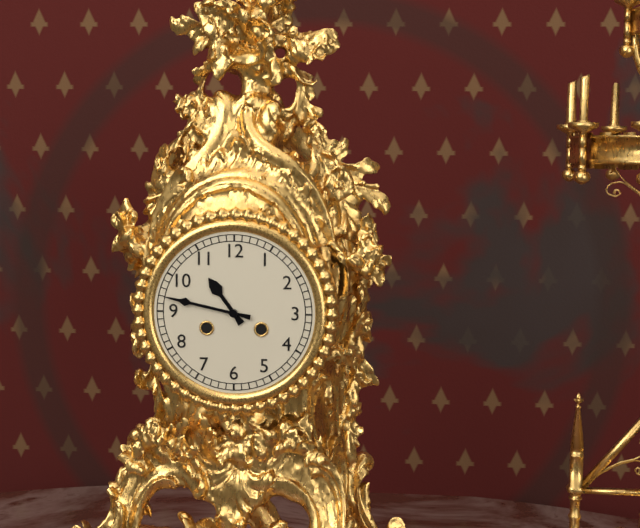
10.47
